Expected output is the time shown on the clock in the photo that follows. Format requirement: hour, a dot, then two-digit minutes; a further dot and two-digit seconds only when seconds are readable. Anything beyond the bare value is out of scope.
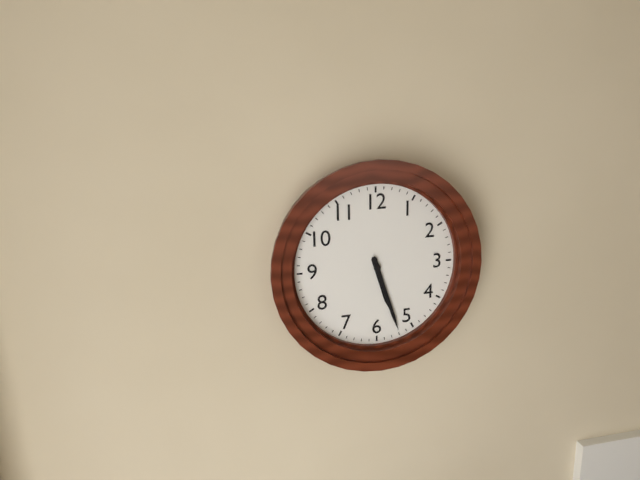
5.27
